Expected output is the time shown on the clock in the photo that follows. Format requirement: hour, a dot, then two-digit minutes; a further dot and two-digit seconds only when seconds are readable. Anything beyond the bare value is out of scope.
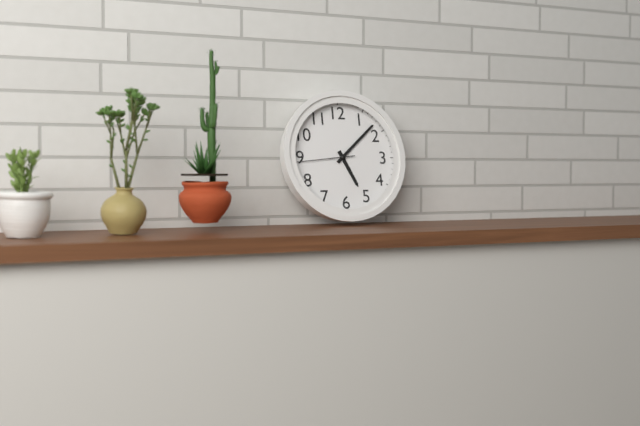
5.08.44
